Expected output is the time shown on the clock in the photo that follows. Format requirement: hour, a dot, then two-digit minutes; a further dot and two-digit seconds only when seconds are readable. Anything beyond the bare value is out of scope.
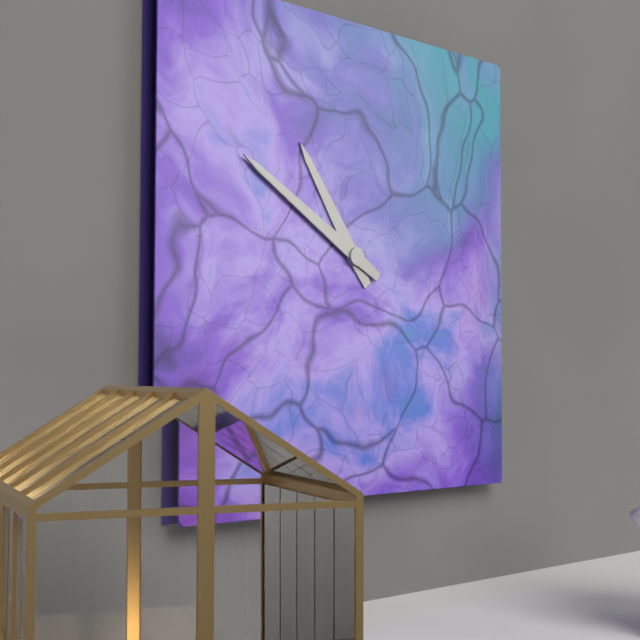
10.50
